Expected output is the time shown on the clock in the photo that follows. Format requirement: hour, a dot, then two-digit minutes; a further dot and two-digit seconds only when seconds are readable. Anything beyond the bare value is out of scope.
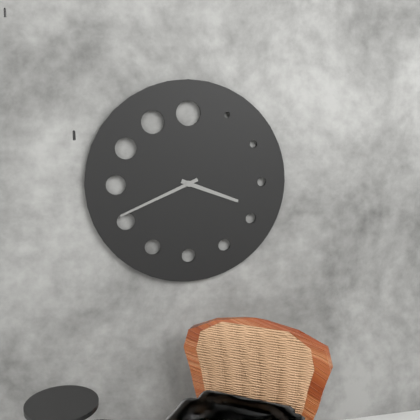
3.41
